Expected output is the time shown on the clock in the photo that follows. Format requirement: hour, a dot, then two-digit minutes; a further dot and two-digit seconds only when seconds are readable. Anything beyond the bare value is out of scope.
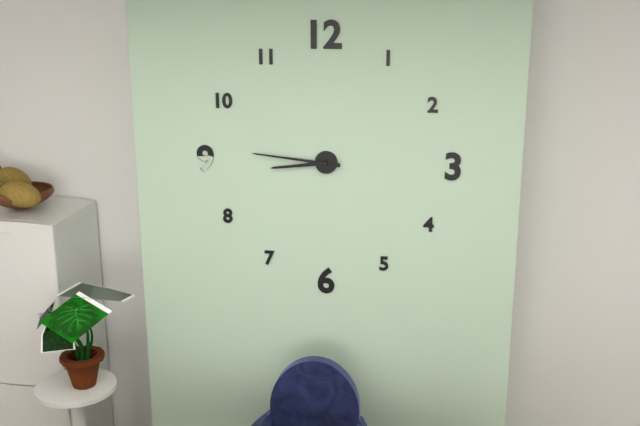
8.46
